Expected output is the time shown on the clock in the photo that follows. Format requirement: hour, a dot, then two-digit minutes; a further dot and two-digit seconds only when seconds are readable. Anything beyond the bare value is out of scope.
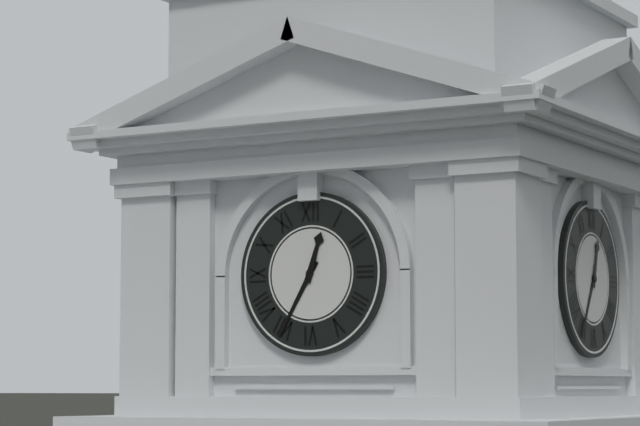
12.35
